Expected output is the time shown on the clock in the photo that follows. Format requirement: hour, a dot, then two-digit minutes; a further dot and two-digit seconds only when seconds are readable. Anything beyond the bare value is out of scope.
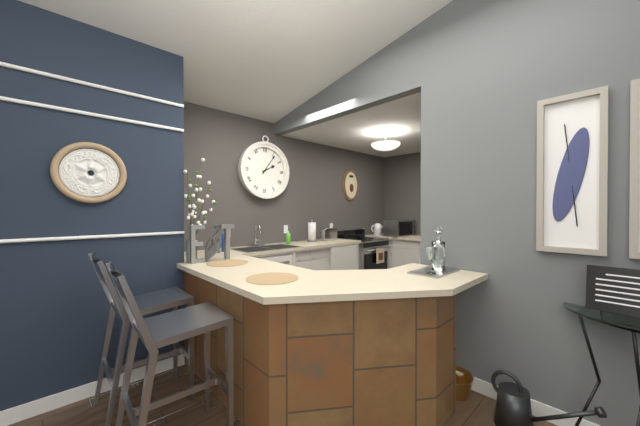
2.06
